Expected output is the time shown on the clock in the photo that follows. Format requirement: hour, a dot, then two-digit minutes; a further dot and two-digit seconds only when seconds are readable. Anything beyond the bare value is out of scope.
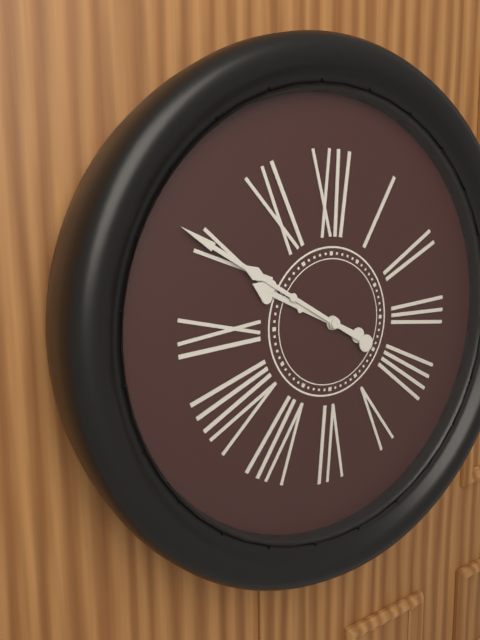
9.50
